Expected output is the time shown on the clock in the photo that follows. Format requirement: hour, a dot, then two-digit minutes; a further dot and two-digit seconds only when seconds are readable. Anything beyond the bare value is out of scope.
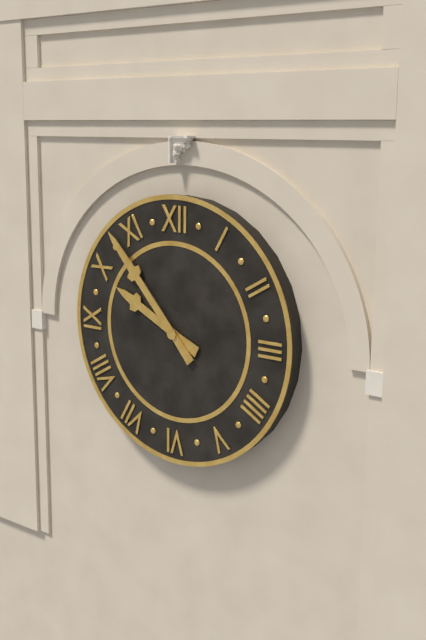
9.53
